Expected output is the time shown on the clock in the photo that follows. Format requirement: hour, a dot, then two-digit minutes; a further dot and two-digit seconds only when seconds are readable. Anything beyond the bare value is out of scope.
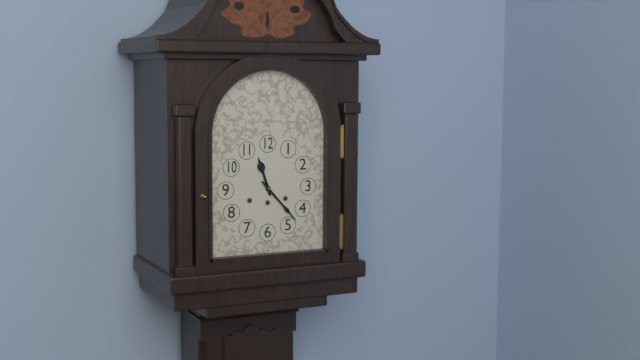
11.23
